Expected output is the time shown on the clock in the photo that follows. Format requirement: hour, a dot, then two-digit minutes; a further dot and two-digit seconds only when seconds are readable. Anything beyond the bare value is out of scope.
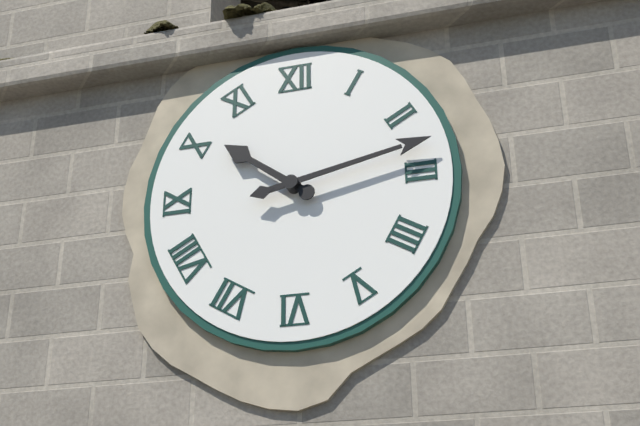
10.13
